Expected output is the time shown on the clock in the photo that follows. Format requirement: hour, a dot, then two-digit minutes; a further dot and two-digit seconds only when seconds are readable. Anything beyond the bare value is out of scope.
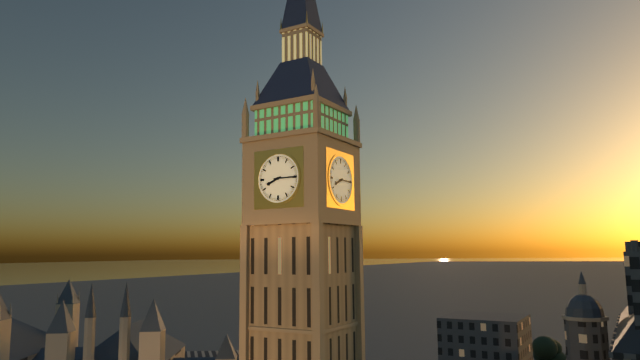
8.15
